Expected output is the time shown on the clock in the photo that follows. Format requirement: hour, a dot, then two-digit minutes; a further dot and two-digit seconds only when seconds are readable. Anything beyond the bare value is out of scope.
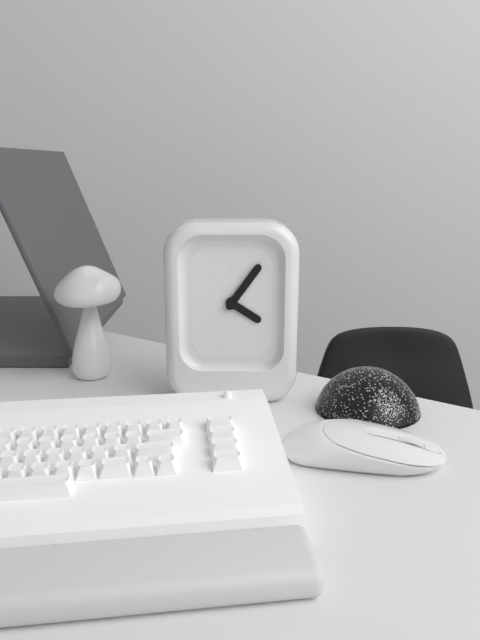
4.06
